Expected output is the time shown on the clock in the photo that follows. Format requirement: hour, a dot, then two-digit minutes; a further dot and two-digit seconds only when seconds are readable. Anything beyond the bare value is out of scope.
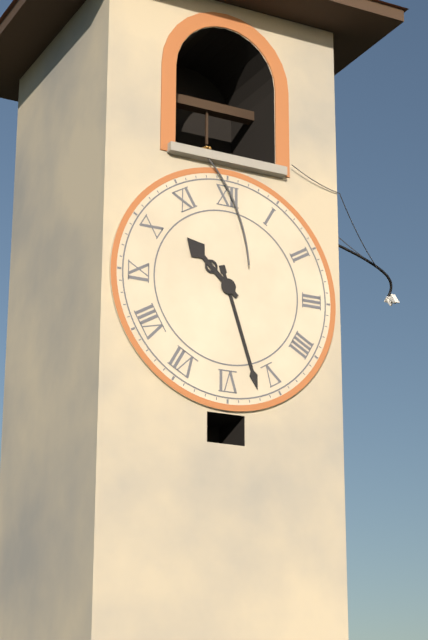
10.27
